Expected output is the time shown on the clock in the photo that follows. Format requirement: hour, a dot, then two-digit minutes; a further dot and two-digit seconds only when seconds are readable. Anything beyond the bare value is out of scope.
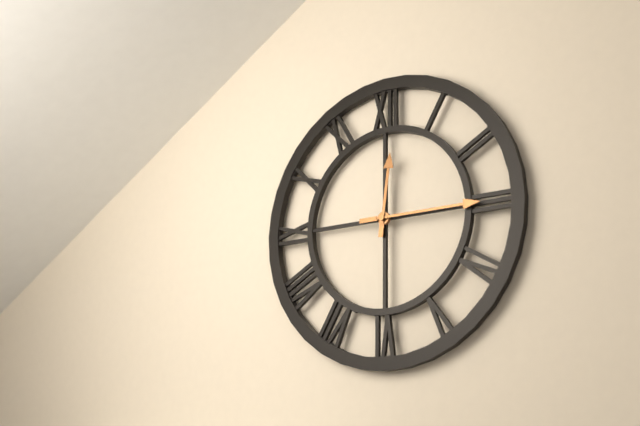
12.15
